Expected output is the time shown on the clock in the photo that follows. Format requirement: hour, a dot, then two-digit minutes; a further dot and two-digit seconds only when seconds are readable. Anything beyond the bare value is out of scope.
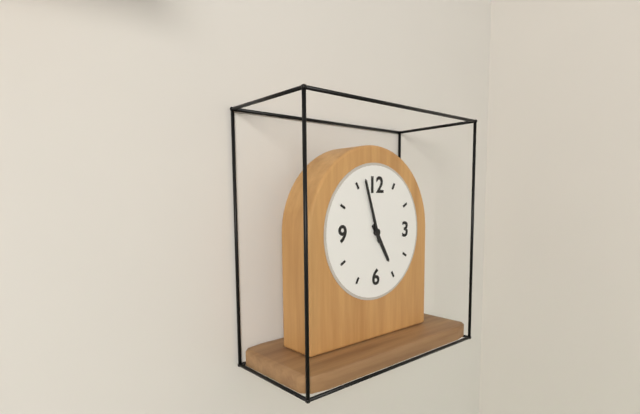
4.57
